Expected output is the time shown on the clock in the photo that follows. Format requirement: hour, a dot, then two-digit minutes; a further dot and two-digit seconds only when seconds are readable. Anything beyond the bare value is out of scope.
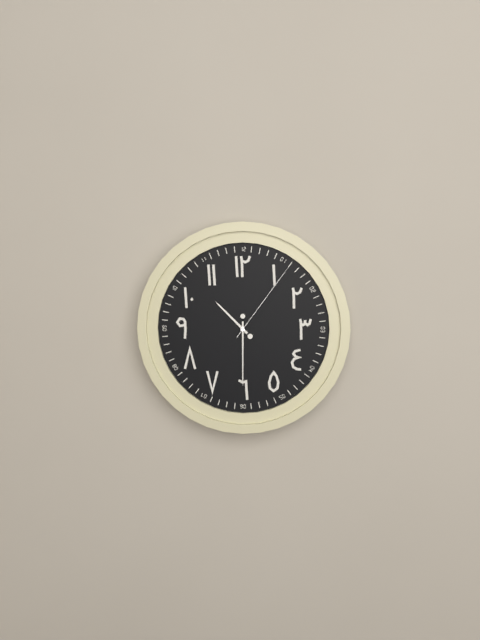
10.30.06
